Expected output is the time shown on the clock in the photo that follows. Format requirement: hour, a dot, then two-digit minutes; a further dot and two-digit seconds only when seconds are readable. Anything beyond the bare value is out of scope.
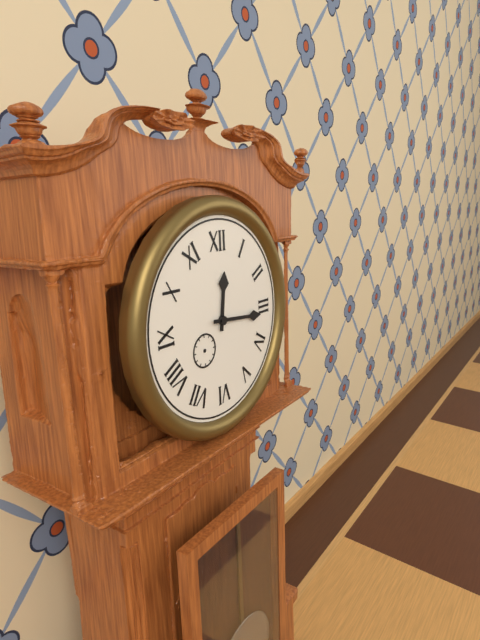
12.16
